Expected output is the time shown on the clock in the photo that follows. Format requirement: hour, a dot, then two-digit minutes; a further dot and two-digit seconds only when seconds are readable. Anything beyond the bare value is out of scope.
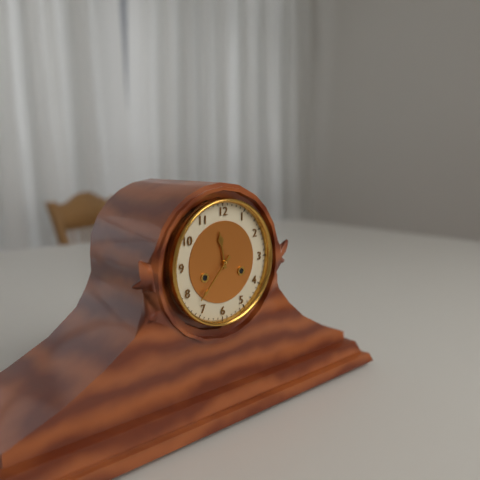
11.37
